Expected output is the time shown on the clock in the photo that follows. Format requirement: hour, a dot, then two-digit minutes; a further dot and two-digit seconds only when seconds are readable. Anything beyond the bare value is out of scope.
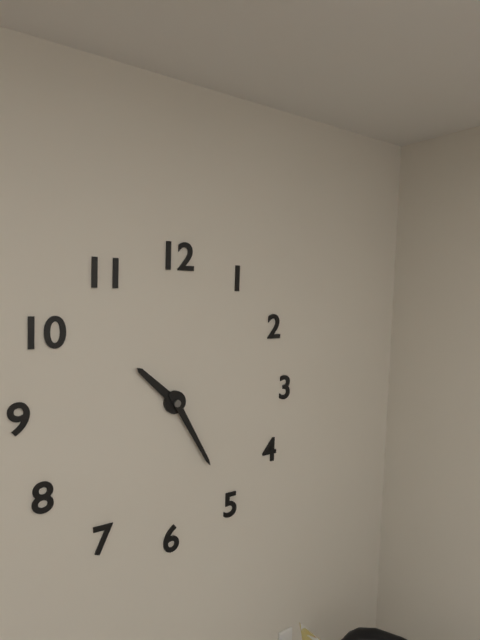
10.25
